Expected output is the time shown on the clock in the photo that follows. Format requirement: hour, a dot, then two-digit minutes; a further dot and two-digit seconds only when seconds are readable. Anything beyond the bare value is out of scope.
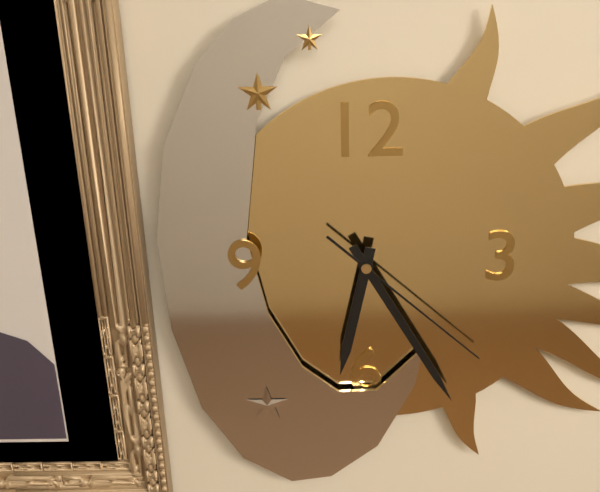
6.25.22
